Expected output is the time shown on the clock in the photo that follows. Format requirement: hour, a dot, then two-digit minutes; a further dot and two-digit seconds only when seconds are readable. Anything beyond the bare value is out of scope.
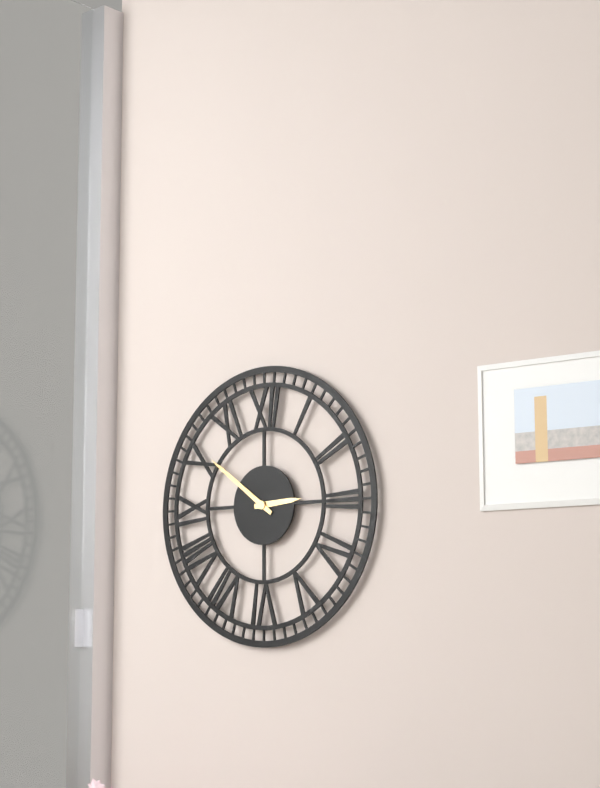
2.51
